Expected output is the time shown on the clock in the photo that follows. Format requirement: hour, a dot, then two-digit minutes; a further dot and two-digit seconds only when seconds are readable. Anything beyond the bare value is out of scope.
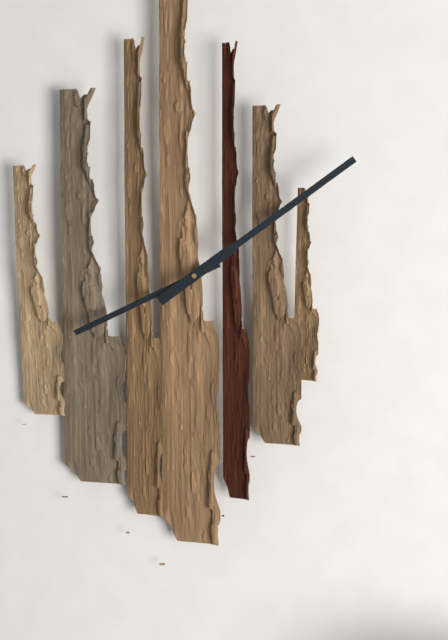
8.09
